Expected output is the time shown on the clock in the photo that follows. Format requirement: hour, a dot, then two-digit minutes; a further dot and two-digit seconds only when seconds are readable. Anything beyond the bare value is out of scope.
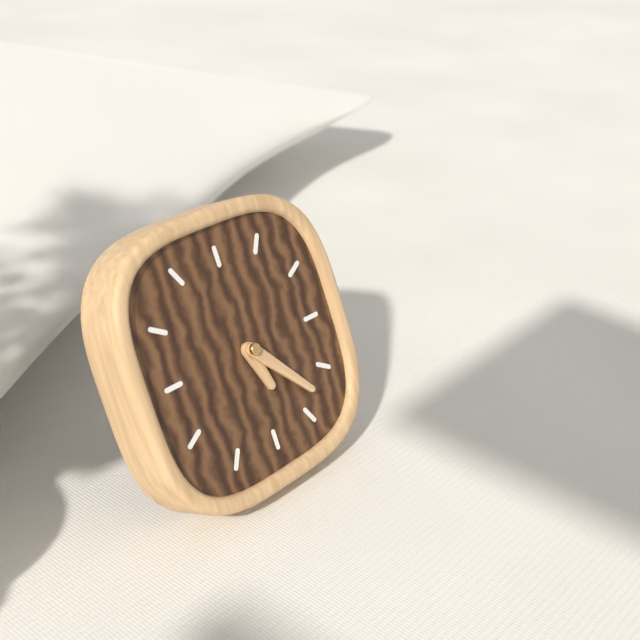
5.23
